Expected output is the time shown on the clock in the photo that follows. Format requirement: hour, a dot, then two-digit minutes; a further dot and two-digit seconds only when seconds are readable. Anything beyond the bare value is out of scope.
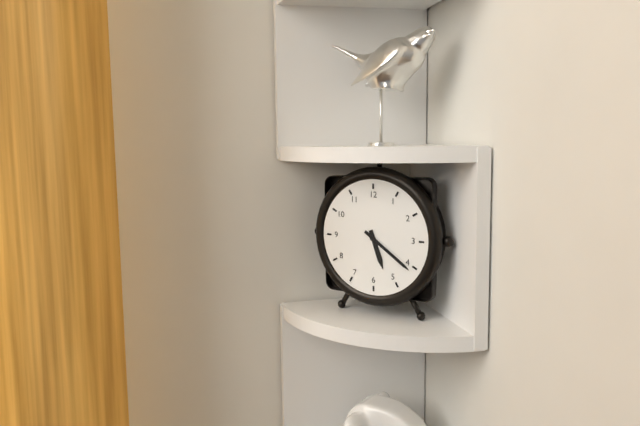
5.21
